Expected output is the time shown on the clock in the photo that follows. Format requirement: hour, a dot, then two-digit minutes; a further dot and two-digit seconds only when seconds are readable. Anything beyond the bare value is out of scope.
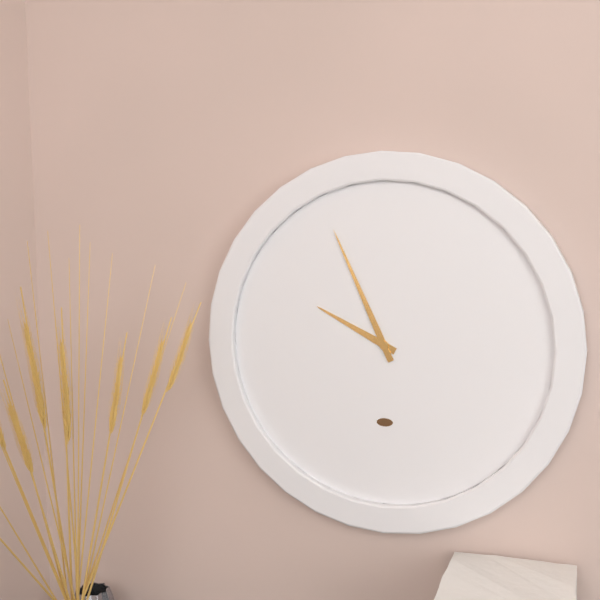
9.56
